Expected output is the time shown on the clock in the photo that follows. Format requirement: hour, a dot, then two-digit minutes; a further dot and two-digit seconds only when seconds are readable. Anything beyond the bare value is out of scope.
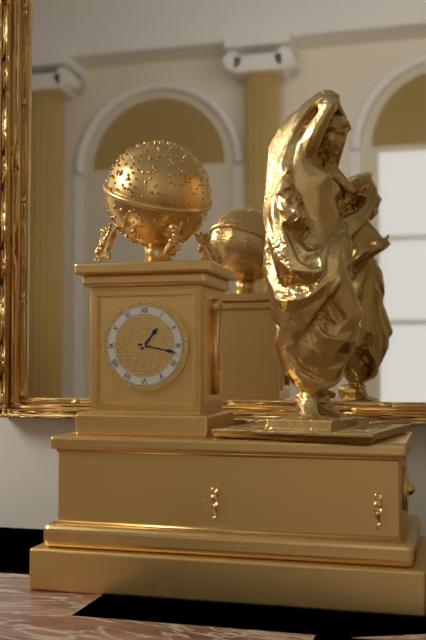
1.17
